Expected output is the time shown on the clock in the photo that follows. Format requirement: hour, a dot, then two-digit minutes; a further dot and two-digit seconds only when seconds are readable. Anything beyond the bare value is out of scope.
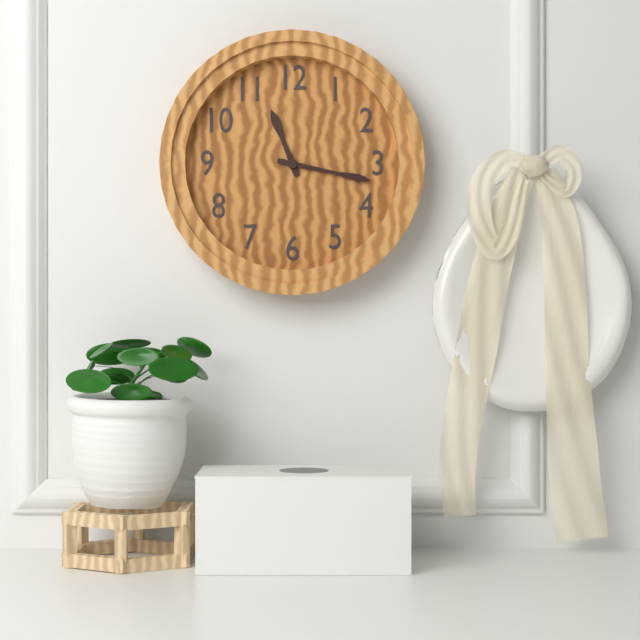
11.17
